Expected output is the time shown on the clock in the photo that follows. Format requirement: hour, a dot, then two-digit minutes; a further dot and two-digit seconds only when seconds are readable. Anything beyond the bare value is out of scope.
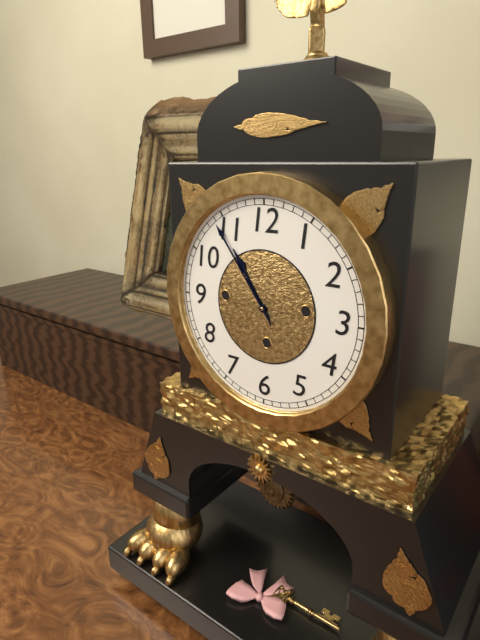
10.54
